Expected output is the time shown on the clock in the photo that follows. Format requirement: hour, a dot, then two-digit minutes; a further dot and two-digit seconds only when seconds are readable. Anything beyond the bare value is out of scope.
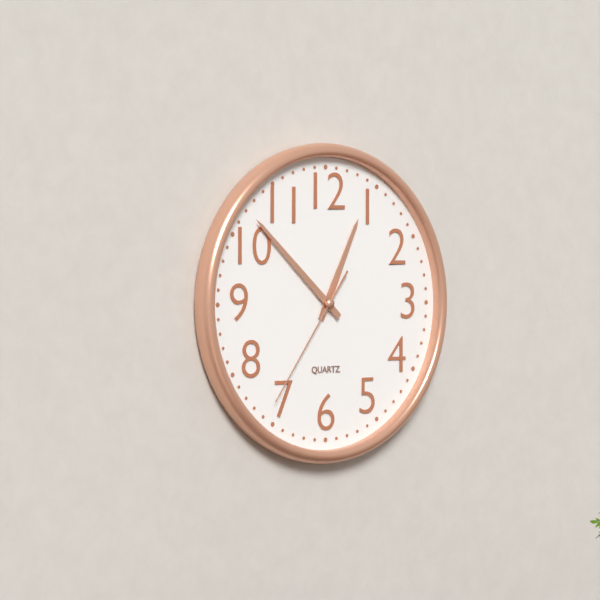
12.52.36
